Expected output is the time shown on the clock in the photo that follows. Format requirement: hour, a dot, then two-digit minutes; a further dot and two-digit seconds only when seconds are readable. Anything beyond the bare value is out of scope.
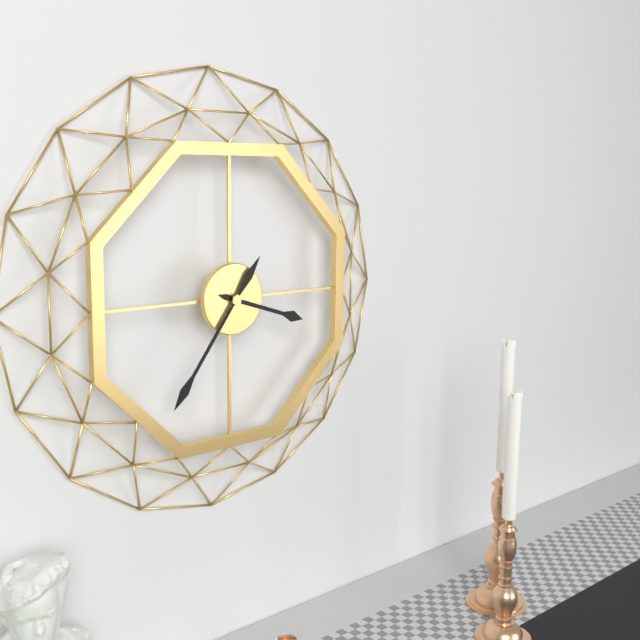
3.36
